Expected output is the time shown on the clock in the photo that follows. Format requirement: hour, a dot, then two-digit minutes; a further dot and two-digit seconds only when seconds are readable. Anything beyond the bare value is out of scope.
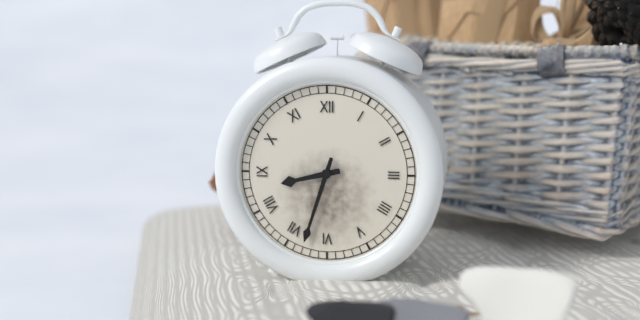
8.33
